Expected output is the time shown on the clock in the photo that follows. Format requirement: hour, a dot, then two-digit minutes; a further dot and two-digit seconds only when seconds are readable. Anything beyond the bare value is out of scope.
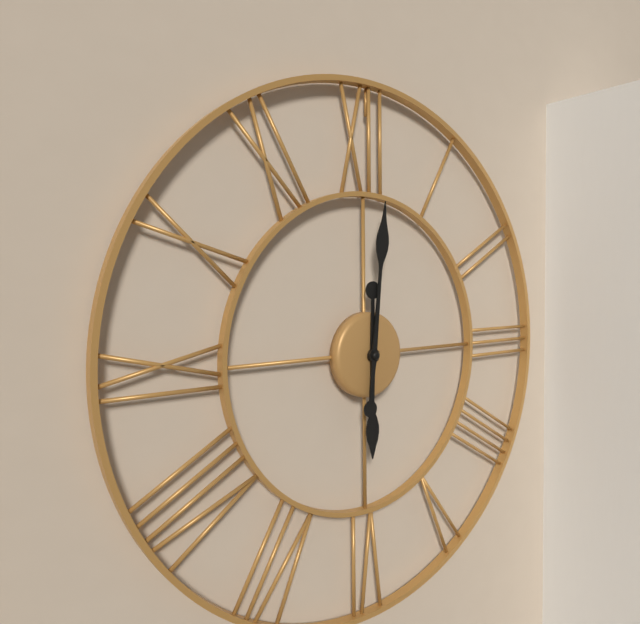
6.01
